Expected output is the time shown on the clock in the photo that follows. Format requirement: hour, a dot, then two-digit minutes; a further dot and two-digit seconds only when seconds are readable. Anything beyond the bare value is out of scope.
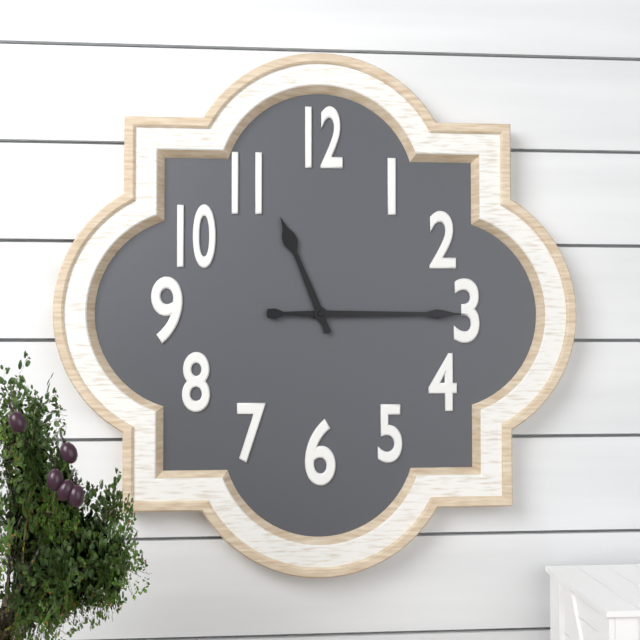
11.15
